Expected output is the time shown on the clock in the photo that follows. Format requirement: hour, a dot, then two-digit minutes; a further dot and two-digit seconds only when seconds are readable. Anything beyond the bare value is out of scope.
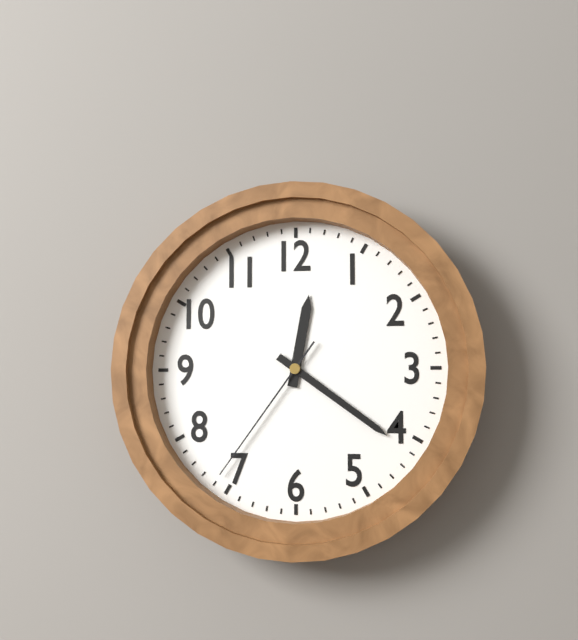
12.21.36
